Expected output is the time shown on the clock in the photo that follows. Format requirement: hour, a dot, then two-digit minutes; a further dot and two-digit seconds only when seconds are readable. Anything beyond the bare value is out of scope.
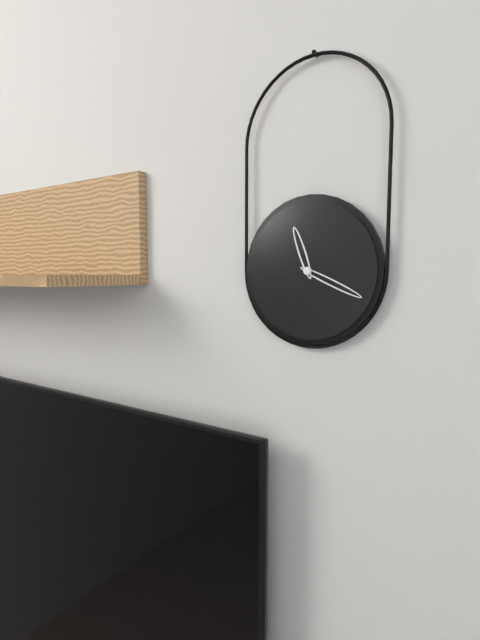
11.19
